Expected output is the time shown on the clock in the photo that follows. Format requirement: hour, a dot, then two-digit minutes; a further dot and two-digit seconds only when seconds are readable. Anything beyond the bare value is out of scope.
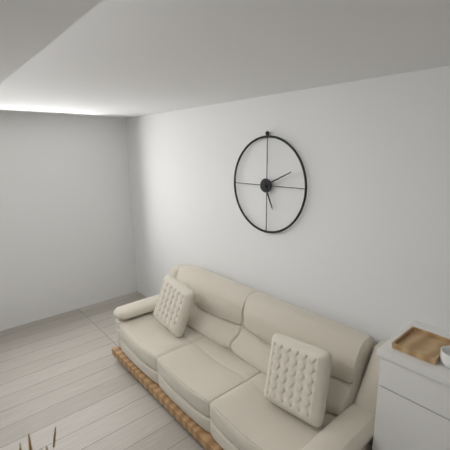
5.11
